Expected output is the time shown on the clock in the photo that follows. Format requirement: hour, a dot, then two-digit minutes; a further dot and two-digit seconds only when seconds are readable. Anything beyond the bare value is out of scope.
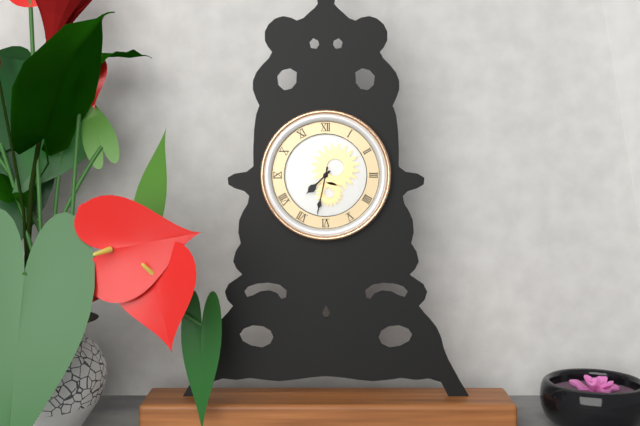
7.32
